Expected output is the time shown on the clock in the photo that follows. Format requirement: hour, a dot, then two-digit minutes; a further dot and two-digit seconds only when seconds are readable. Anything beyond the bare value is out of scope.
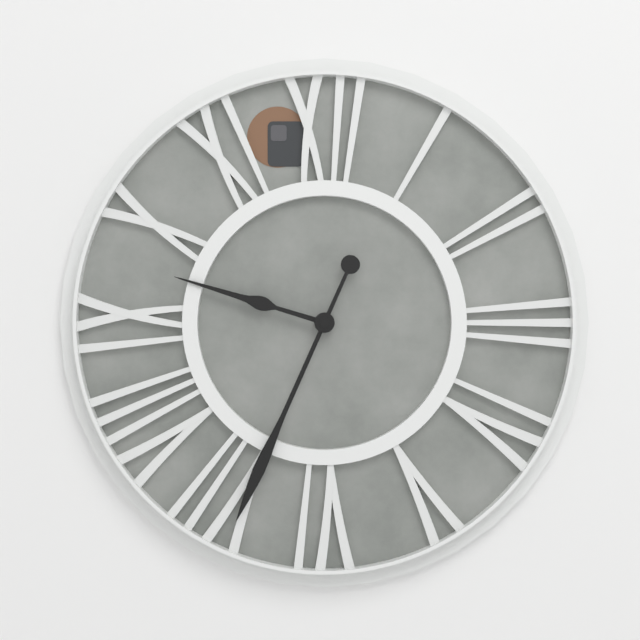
9.34
